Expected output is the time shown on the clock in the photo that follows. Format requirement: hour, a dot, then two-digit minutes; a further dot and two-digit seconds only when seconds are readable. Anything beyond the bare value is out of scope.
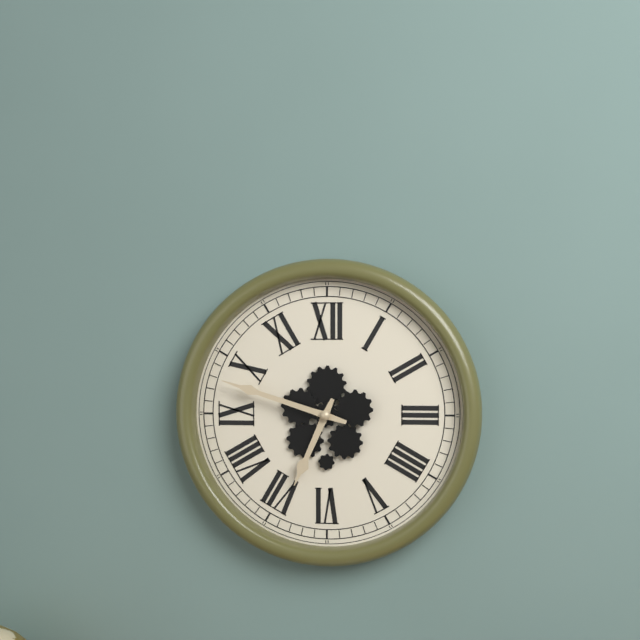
6.48
